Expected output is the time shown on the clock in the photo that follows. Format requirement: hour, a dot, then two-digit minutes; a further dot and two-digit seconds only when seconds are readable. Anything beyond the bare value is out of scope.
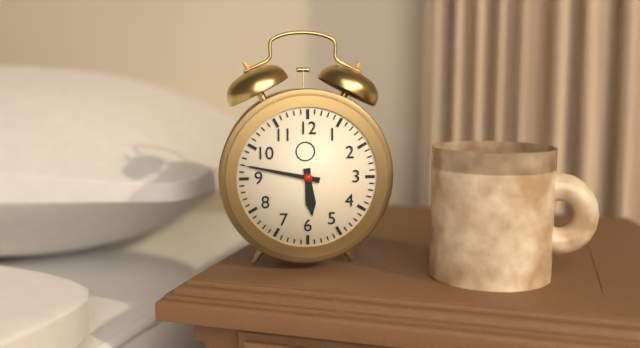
5.47
